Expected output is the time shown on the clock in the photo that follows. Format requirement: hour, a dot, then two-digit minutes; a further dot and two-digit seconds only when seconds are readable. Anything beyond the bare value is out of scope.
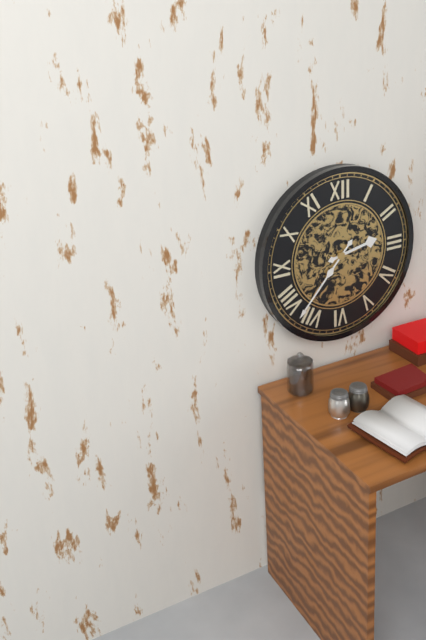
2.37
